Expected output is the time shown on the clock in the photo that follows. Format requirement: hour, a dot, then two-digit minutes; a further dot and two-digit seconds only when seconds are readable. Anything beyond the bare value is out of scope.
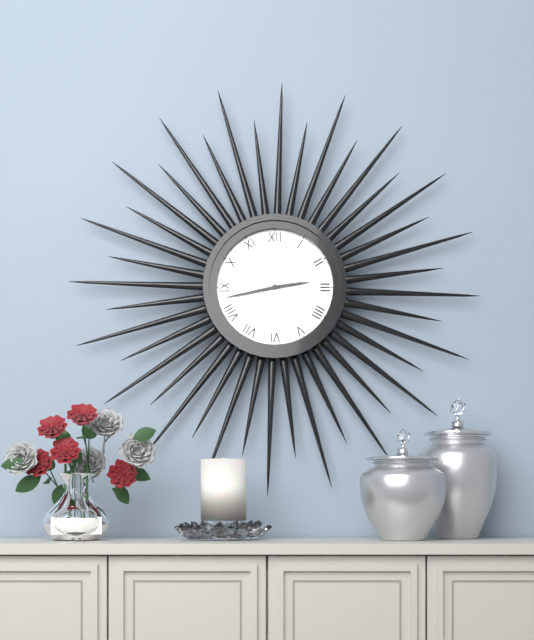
2.43
